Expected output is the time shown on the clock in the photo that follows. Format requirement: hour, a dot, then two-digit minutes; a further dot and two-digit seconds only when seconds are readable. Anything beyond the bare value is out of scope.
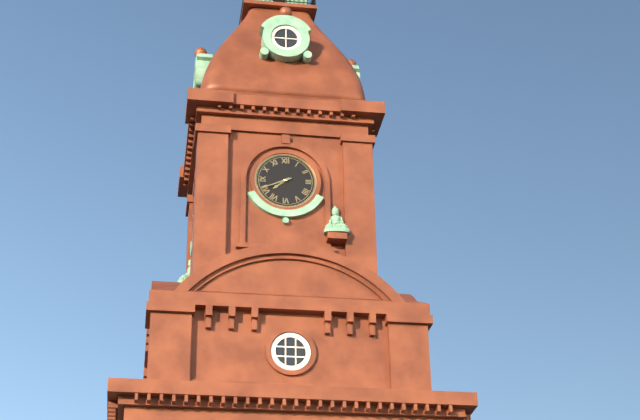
7.41
